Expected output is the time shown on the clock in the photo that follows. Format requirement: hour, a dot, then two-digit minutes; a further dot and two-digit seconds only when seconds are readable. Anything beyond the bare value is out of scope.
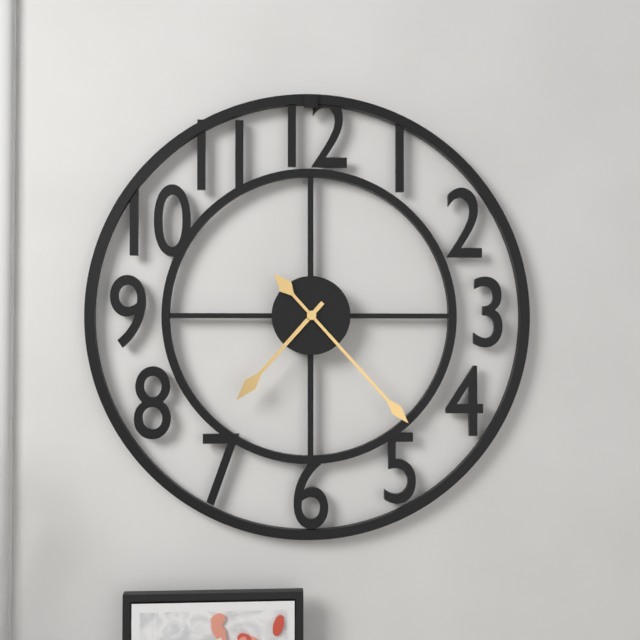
7.23
